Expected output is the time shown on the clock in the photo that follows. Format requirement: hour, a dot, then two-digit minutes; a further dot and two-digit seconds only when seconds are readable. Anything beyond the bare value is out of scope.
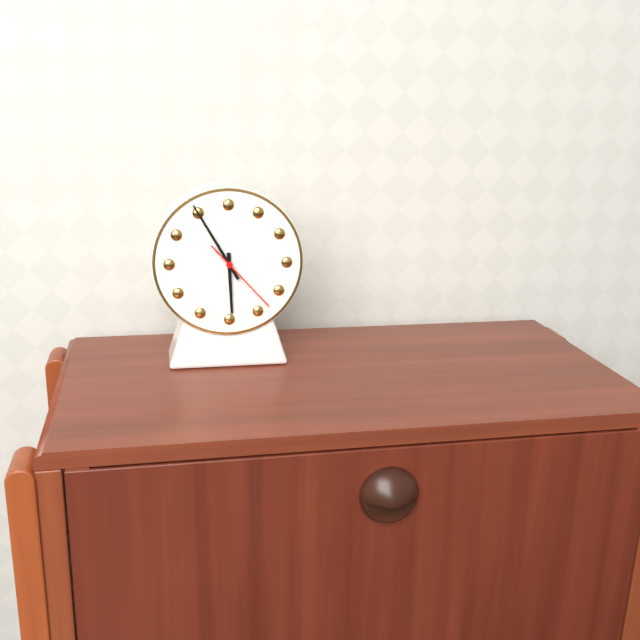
5.55.23
